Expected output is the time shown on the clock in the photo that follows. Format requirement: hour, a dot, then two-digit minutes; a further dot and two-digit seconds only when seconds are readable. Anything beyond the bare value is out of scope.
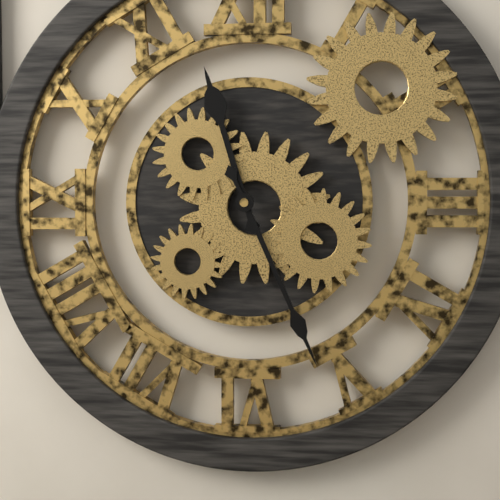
11.26
